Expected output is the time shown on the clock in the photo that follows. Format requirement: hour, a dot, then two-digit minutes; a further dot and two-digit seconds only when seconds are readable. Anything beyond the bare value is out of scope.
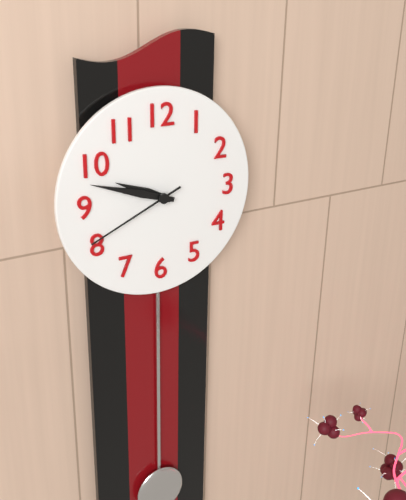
9.48.41
